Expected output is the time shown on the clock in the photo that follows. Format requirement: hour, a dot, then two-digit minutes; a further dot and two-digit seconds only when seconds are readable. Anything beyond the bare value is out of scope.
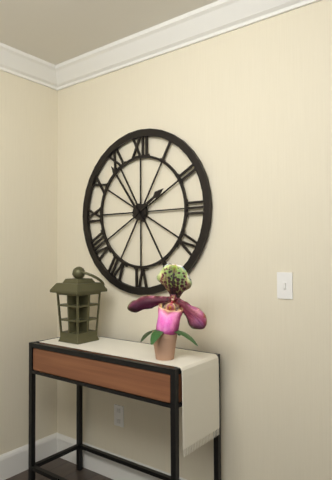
1.54
